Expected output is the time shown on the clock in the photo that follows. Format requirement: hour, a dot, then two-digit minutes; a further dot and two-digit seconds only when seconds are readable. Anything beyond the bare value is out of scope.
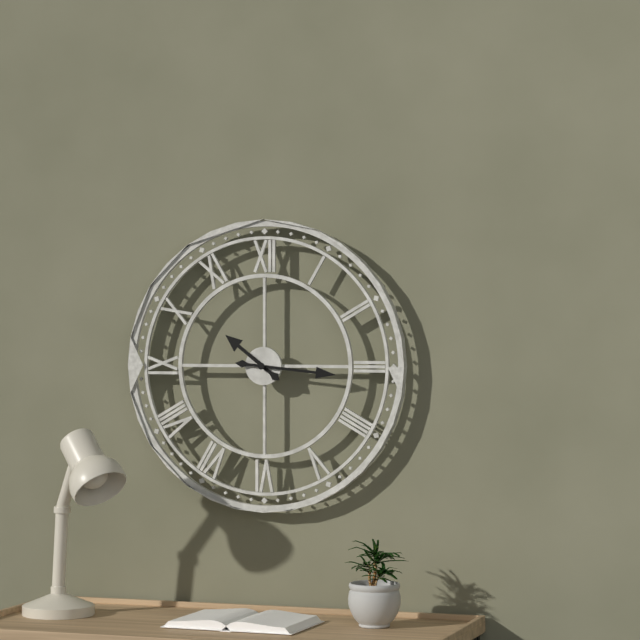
10.16
